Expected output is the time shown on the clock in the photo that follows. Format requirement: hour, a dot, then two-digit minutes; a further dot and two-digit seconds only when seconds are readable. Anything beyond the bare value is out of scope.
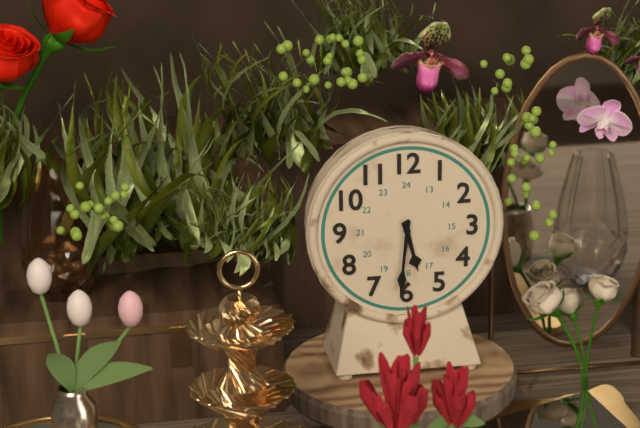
5.31
